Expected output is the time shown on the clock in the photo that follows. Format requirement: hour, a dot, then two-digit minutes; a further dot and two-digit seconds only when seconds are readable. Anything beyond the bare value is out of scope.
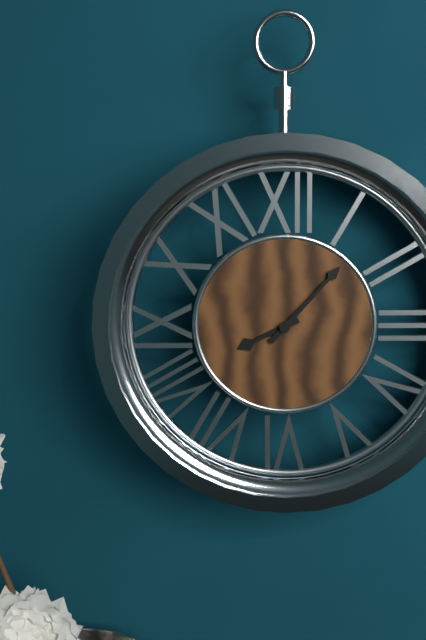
8.07
